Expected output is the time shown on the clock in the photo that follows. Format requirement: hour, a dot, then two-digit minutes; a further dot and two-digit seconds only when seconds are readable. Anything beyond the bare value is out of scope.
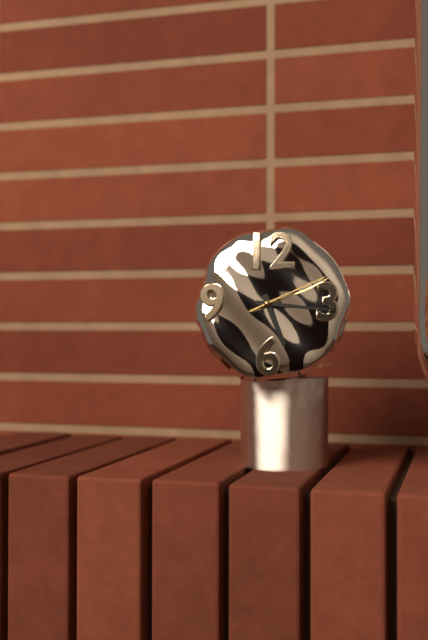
5.16.11
